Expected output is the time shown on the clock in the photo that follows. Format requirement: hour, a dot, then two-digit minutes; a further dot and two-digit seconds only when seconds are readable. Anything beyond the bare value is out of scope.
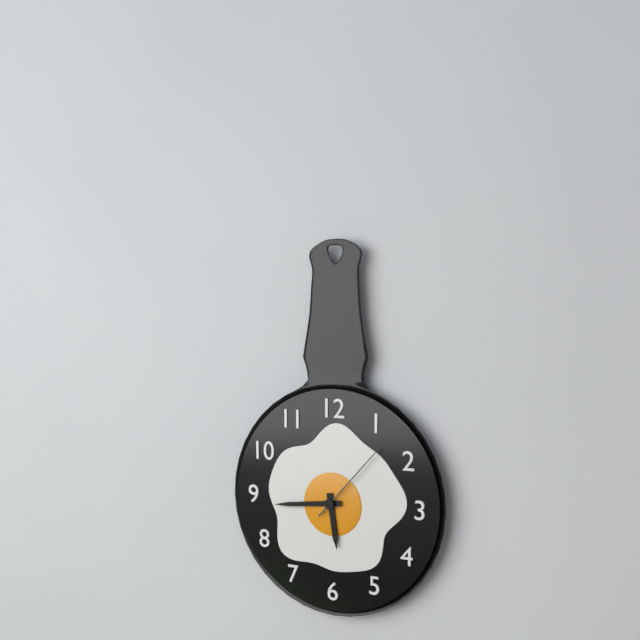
5.44.07
